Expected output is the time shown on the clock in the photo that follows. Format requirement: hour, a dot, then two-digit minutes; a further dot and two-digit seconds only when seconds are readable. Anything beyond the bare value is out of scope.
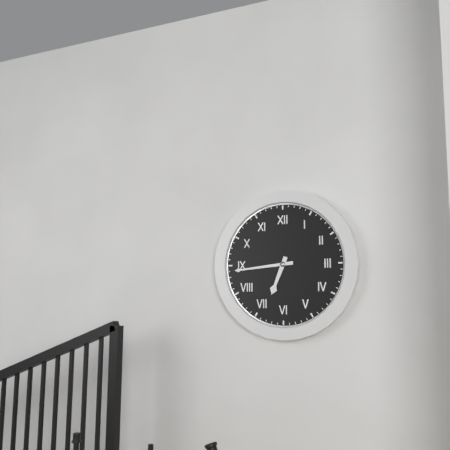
6.44
